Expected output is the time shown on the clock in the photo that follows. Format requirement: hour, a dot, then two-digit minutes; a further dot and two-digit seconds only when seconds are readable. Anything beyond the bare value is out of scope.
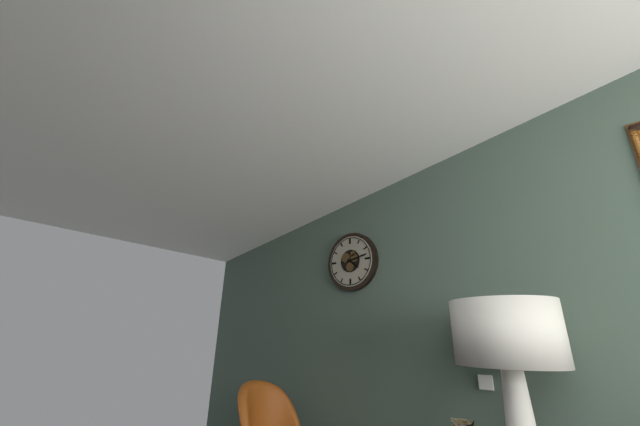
4.13
